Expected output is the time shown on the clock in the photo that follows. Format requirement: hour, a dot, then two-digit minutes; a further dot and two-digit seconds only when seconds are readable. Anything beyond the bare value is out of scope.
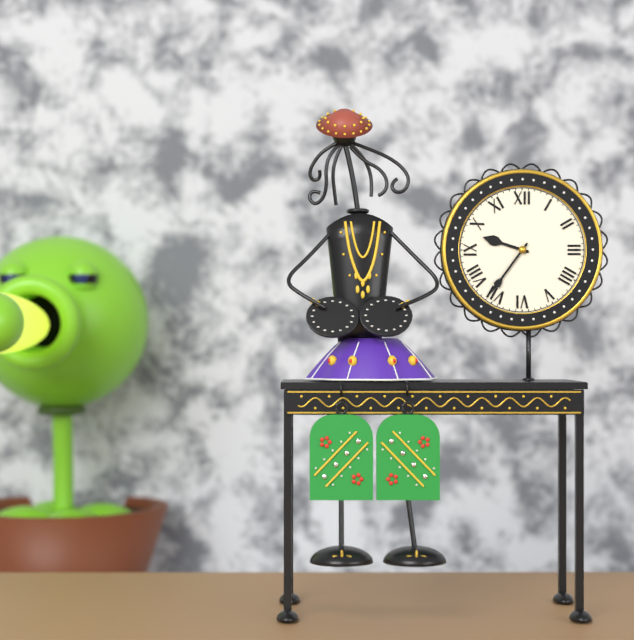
9.36
